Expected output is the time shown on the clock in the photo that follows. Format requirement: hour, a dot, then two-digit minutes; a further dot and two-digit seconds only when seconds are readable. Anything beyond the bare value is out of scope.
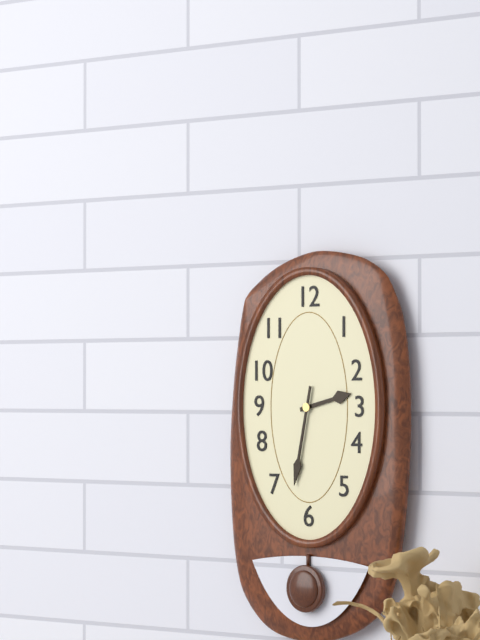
2.32
